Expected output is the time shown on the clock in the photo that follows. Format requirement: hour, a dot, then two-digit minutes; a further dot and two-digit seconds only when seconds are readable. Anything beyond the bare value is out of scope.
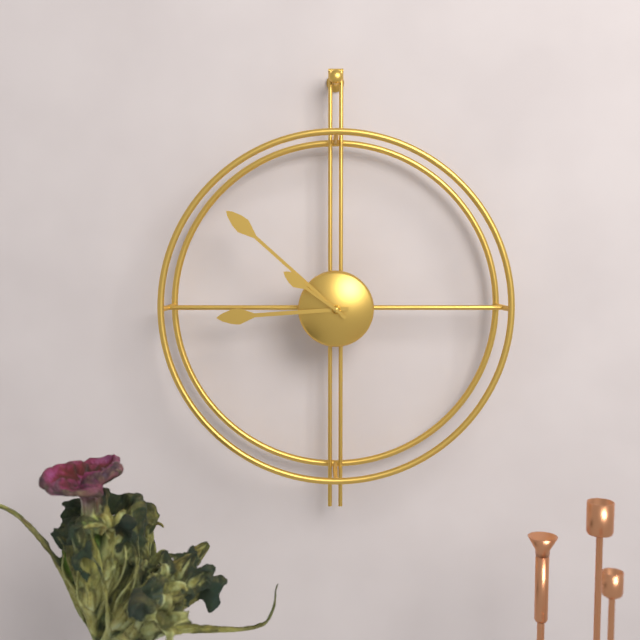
8.52.51
